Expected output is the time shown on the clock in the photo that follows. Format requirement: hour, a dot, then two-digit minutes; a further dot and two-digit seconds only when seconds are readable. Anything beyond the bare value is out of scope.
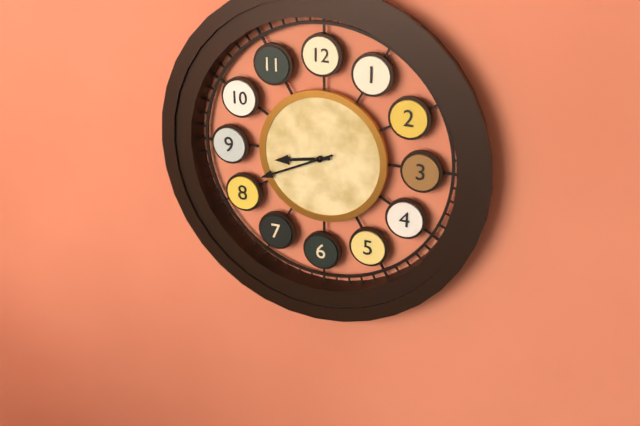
8.41
